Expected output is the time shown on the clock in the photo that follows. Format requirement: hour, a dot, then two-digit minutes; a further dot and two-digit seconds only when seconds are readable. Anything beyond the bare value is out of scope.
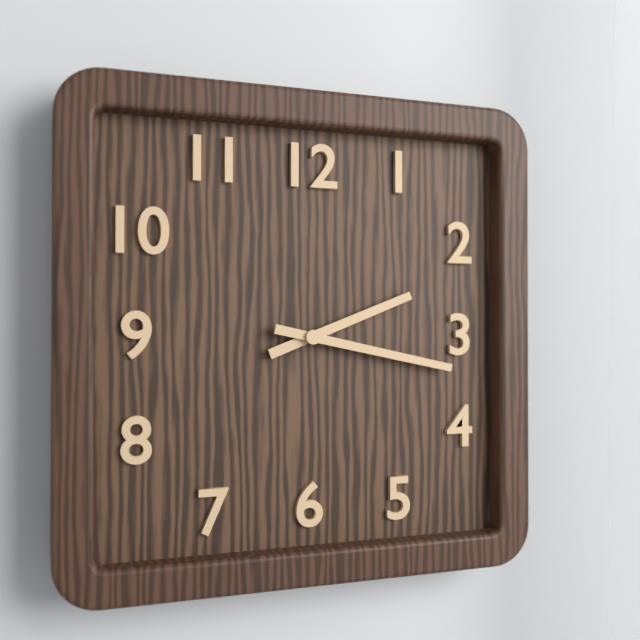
2.17
